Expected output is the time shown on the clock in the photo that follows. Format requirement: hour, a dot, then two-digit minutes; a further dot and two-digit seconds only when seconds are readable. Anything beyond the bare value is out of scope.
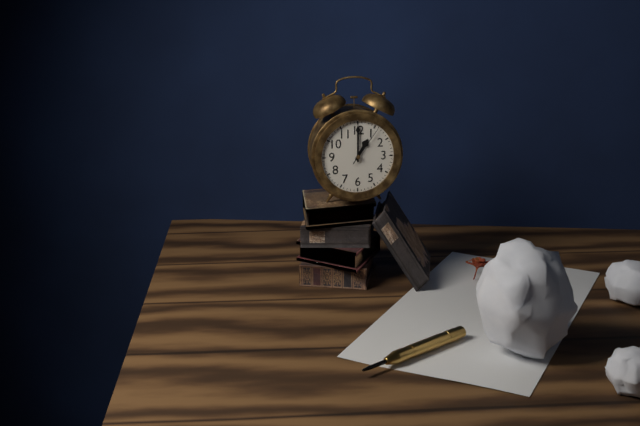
1.00
